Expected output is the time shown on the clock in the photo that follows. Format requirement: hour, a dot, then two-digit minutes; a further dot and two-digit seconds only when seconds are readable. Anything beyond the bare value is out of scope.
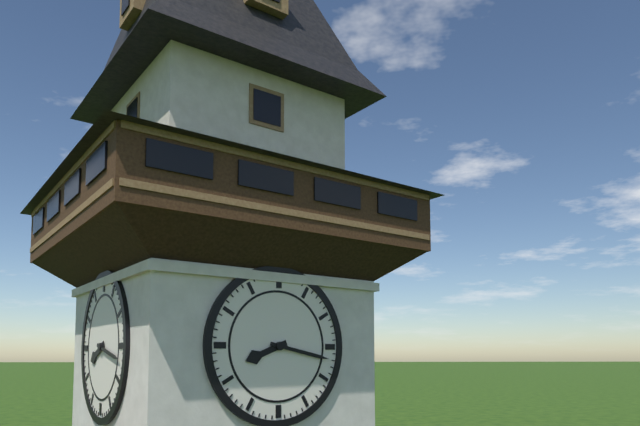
8.17
